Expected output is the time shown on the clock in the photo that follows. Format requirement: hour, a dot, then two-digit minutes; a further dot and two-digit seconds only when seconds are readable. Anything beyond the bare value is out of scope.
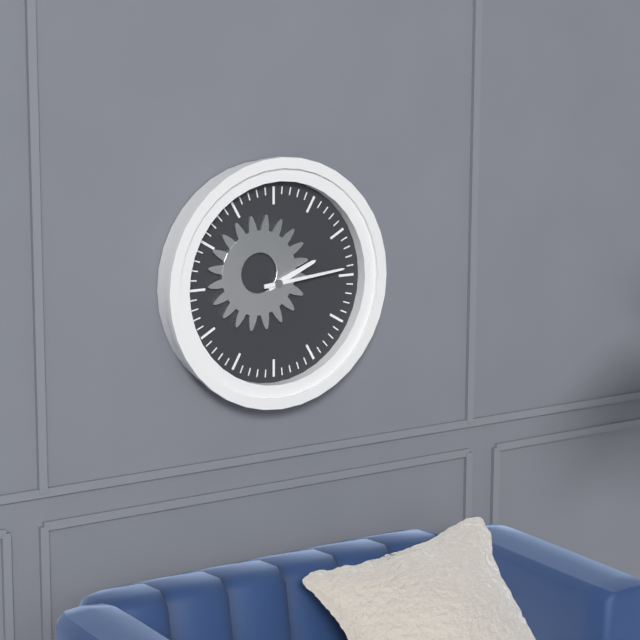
2.14
